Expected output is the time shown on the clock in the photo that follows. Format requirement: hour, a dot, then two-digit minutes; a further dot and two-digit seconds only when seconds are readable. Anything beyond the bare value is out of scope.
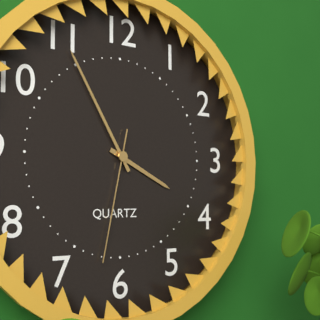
3.55.32
